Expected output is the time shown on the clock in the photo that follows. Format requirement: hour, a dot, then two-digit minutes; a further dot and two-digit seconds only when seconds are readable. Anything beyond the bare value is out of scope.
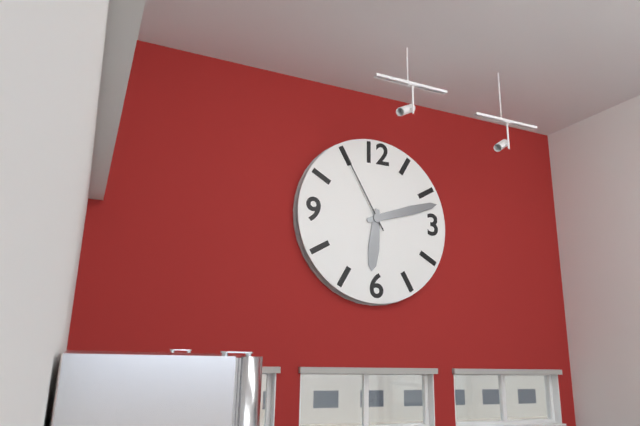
6.12.55
